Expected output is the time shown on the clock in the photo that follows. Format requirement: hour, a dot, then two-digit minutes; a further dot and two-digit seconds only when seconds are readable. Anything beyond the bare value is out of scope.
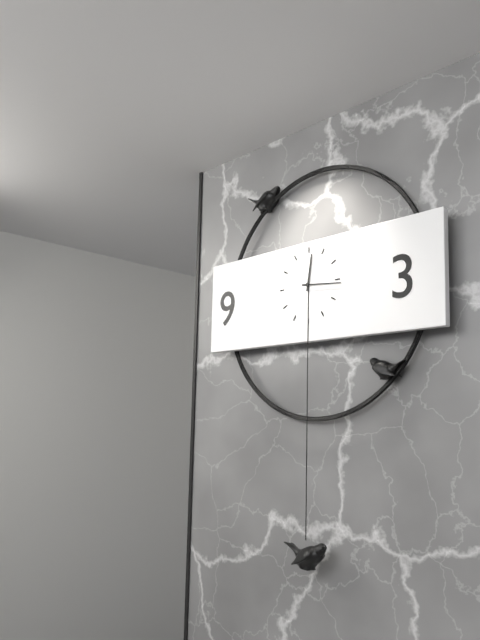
12.16
